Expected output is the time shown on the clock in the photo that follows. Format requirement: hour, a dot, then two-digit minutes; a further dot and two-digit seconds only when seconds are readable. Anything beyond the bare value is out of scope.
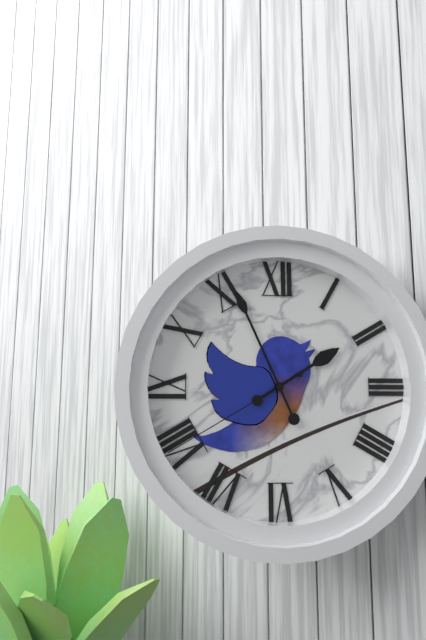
1.56.40
